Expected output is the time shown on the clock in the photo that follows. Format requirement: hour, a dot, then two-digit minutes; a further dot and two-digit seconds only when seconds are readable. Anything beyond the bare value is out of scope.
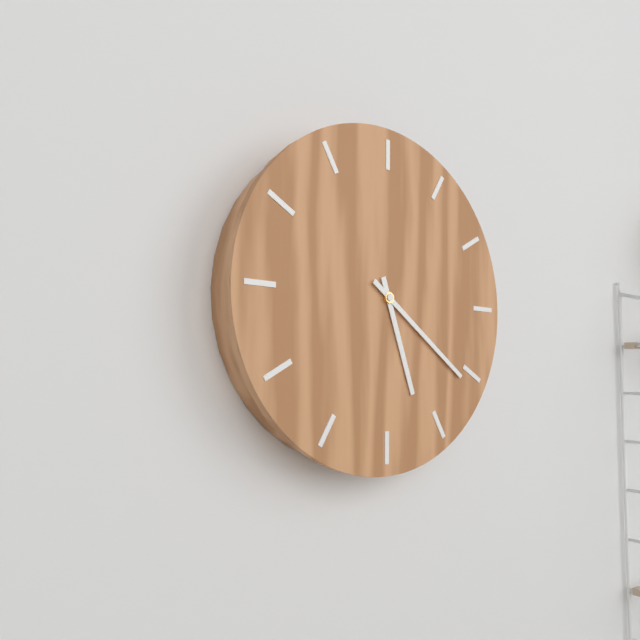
5.21
